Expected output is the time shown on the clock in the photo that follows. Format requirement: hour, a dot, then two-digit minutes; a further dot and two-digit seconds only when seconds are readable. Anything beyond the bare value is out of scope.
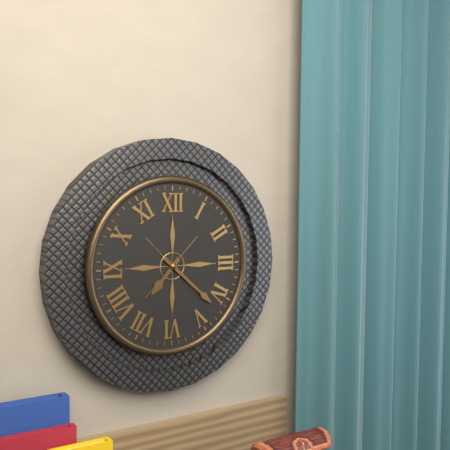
7.22
